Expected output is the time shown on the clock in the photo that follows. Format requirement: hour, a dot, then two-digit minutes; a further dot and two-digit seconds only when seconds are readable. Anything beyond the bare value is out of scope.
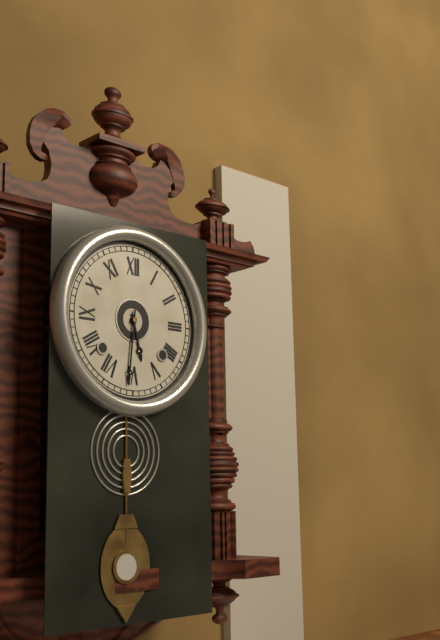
5.31
